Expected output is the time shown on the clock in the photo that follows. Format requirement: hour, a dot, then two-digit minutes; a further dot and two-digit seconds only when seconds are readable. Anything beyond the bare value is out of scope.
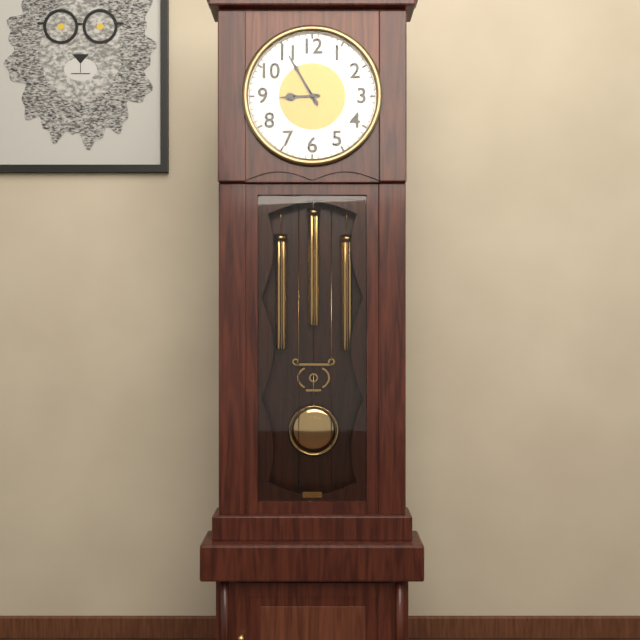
8.55
